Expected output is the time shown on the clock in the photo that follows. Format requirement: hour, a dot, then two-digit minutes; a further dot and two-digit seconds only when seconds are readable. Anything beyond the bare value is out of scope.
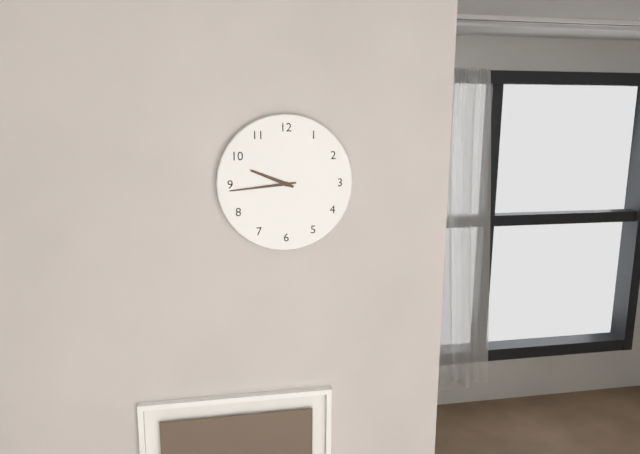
9.44
